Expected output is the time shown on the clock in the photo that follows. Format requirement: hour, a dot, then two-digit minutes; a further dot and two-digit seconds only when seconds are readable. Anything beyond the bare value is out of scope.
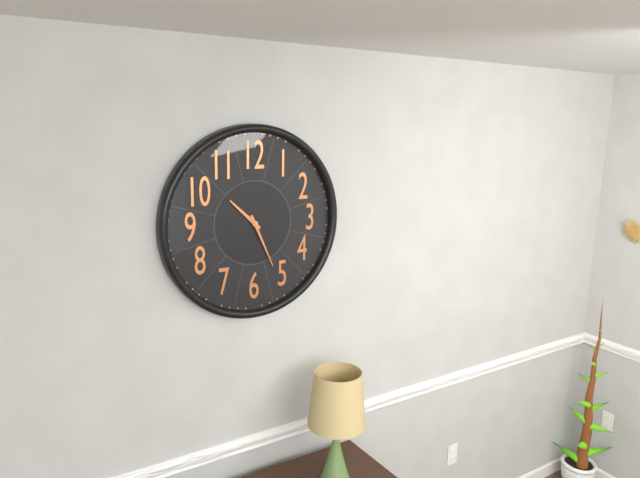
10.26
